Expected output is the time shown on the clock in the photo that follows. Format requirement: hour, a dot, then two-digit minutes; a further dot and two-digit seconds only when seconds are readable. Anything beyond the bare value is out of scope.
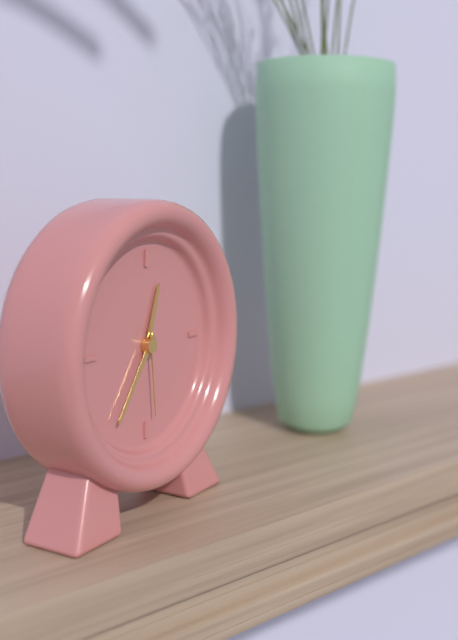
12.36.29
